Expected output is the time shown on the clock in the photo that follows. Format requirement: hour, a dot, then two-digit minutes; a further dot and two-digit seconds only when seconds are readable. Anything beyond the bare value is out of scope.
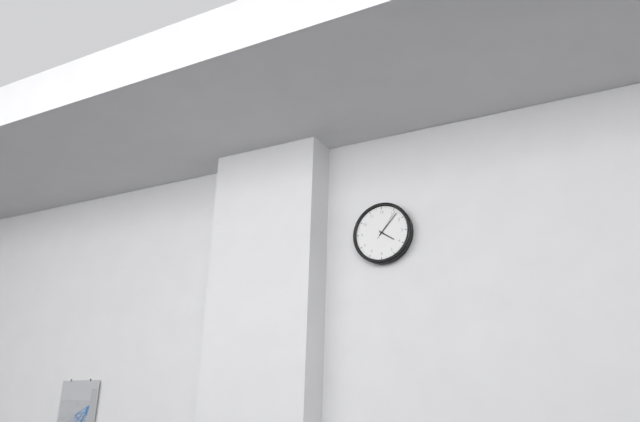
4.07
